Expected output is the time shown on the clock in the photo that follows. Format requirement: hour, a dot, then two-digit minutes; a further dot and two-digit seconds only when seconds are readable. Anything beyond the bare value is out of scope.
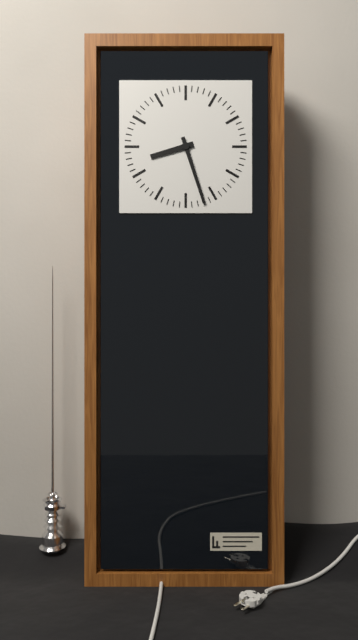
8.27
